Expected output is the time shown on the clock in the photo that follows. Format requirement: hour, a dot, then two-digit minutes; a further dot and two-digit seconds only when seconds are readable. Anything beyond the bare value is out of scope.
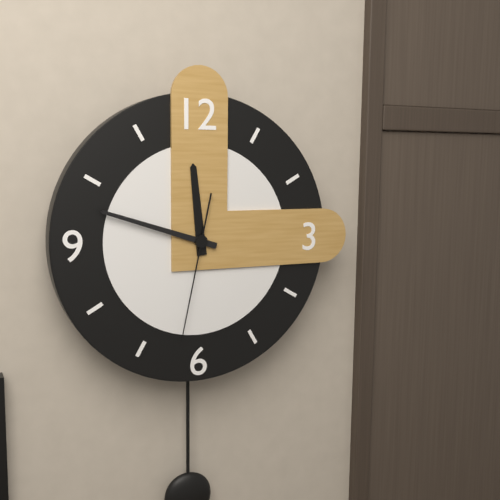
11.48.32
